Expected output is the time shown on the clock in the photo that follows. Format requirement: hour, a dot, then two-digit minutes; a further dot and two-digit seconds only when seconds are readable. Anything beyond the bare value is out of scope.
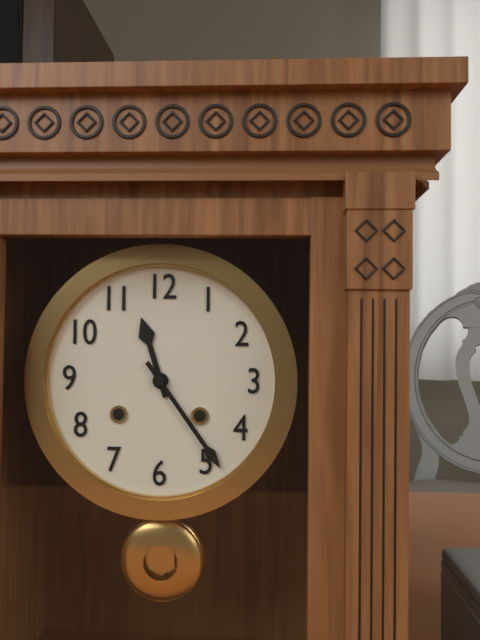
11.24
